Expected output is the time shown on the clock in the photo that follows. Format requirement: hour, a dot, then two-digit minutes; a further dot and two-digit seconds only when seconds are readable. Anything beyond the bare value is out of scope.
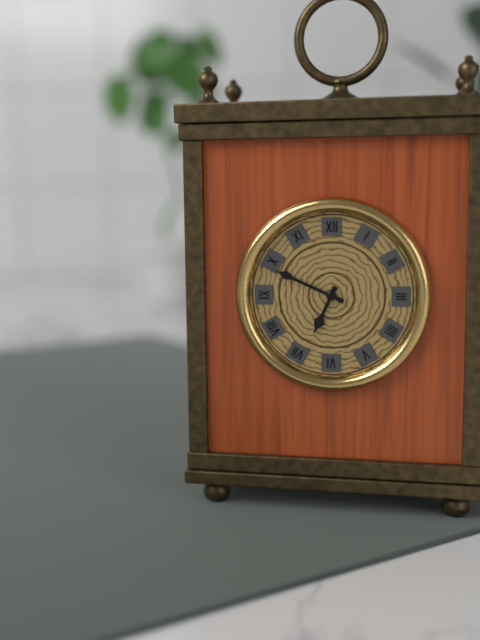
6.49
